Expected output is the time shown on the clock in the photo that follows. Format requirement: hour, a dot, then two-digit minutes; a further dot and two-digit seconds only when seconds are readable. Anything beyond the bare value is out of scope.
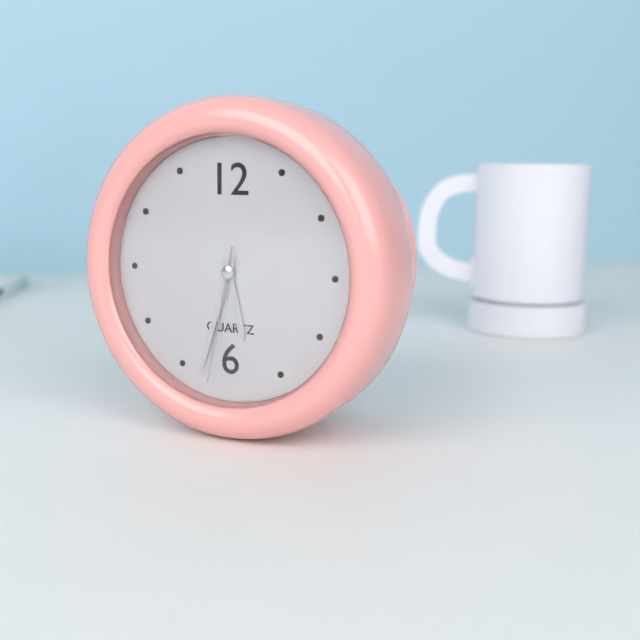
5.33.32
